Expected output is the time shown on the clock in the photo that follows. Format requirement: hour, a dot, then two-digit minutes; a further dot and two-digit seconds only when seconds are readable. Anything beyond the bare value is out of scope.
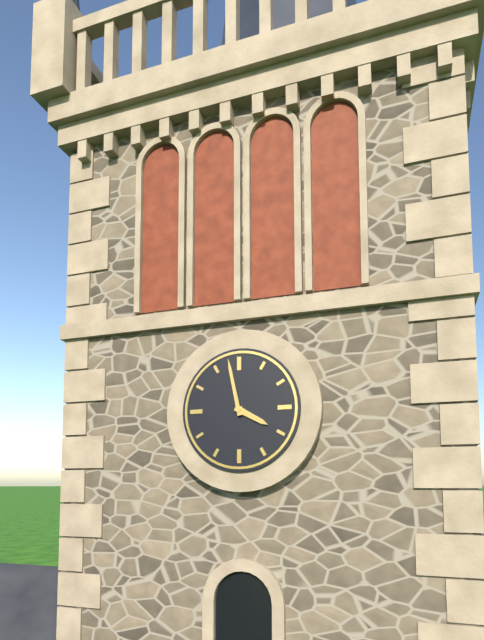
3.58
